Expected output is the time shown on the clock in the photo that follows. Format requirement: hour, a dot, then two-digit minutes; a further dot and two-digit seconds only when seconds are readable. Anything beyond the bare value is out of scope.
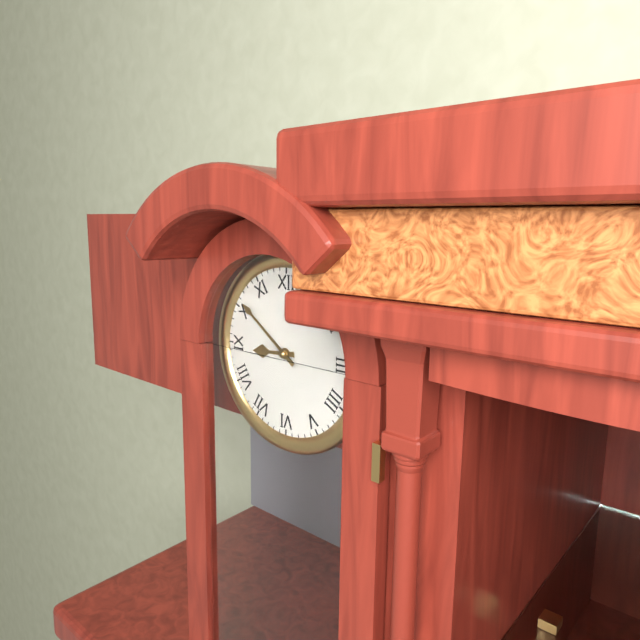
8.51
